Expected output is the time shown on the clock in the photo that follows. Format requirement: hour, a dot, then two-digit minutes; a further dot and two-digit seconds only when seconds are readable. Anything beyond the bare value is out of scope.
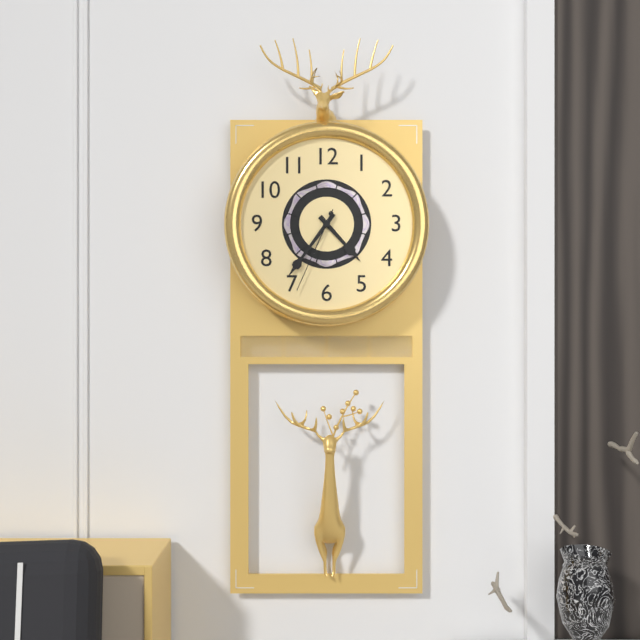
4.36.34
